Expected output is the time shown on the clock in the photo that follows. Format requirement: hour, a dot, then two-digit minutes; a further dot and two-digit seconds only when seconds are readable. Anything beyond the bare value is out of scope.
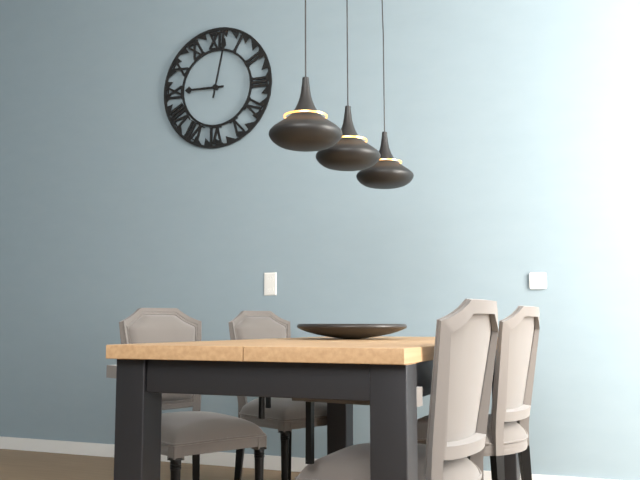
9.02
